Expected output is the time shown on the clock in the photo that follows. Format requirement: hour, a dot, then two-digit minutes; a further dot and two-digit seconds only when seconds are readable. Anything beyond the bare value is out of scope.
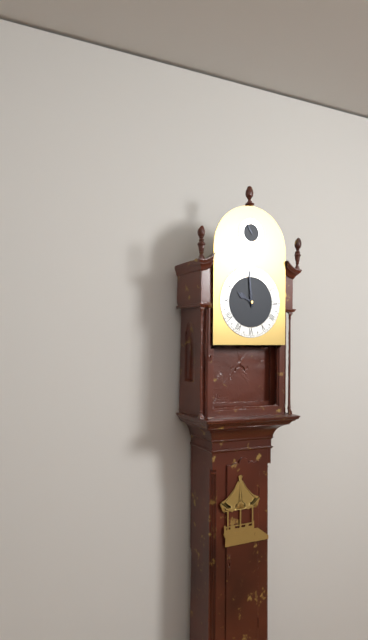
9.59
